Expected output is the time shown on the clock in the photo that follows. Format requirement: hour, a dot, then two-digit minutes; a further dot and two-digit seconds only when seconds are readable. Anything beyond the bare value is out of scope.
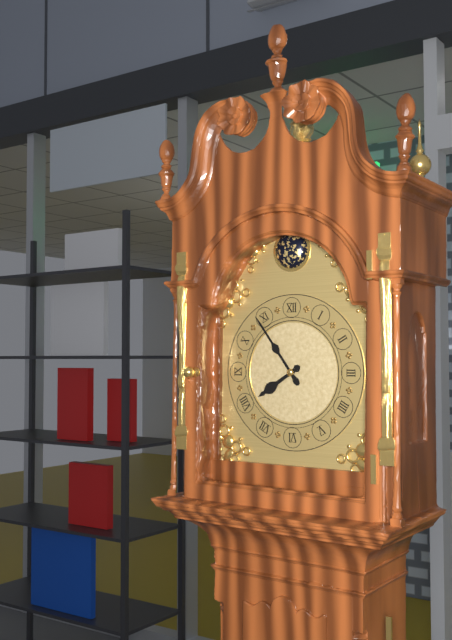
7.54
